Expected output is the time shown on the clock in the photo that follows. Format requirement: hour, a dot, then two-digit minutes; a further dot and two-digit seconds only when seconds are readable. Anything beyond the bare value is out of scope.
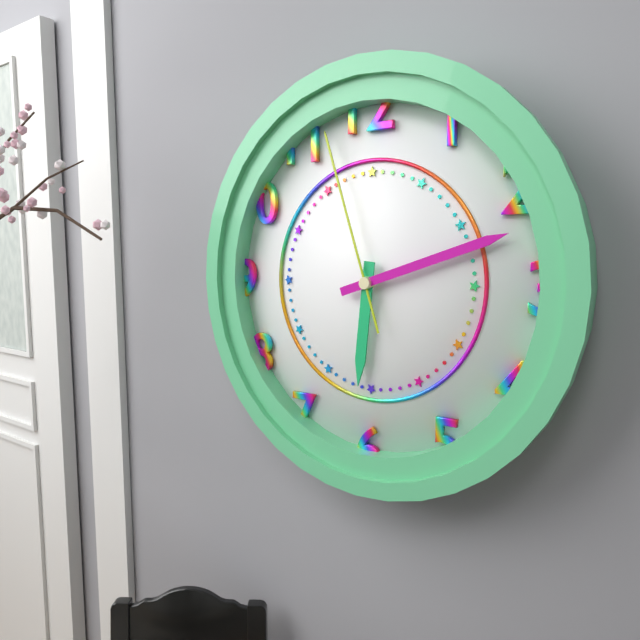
6.12.57
